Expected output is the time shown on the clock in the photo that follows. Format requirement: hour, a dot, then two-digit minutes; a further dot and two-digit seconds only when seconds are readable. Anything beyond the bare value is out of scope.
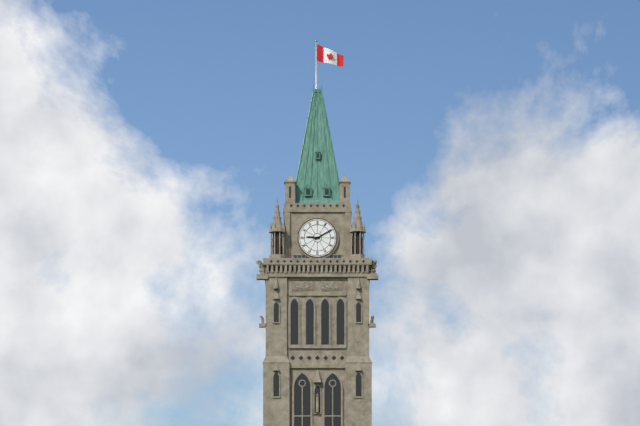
9.10
